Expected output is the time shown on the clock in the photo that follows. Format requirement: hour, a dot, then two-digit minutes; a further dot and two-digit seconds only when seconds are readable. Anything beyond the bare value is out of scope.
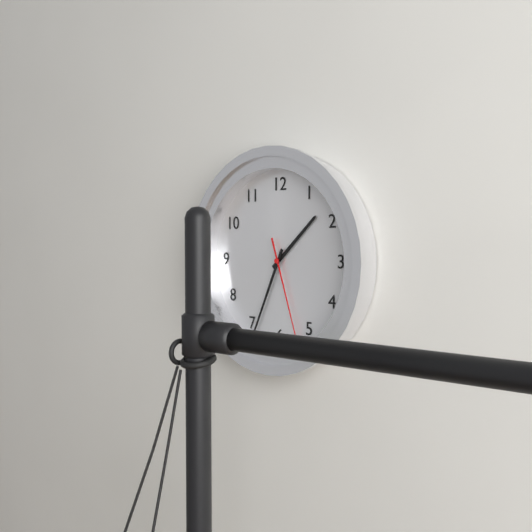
1.34.27
